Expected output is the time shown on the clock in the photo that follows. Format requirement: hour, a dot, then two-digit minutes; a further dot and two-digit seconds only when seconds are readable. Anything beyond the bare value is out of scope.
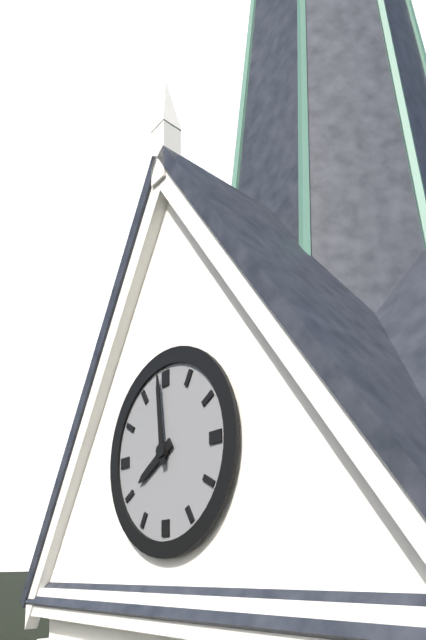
7.59
